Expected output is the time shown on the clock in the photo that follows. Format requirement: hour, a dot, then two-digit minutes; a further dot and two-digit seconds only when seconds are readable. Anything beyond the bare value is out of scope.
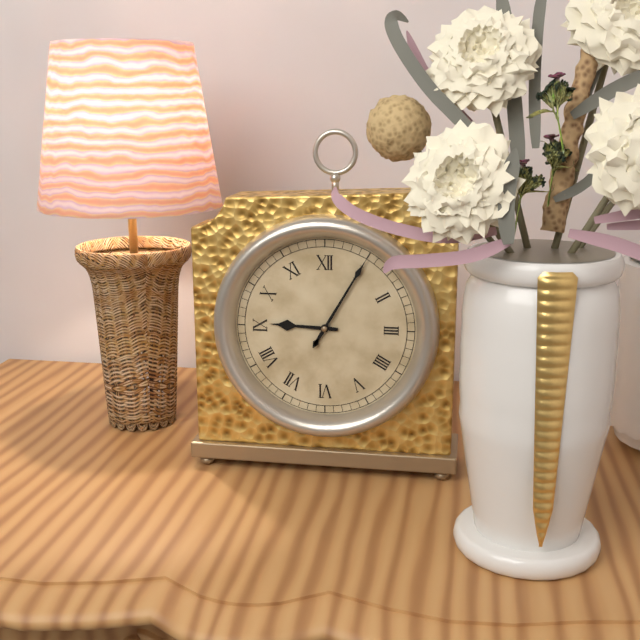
9.05
